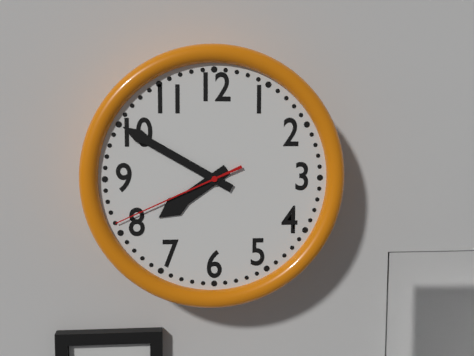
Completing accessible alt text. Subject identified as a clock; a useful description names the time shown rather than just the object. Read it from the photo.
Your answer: 7:50:41
